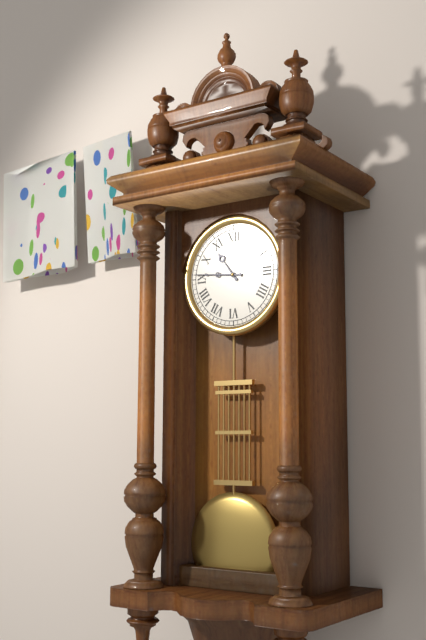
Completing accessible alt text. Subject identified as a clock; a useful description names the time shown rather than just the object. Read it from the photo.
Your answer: 10:46
